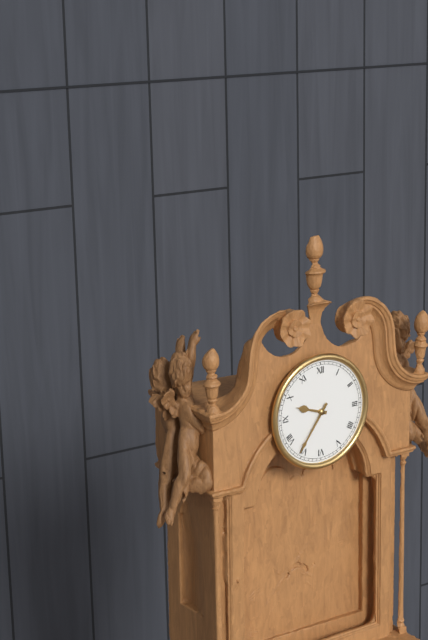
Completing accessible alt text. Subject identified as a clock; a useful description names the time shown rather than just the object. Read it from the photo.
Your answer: 9:36
